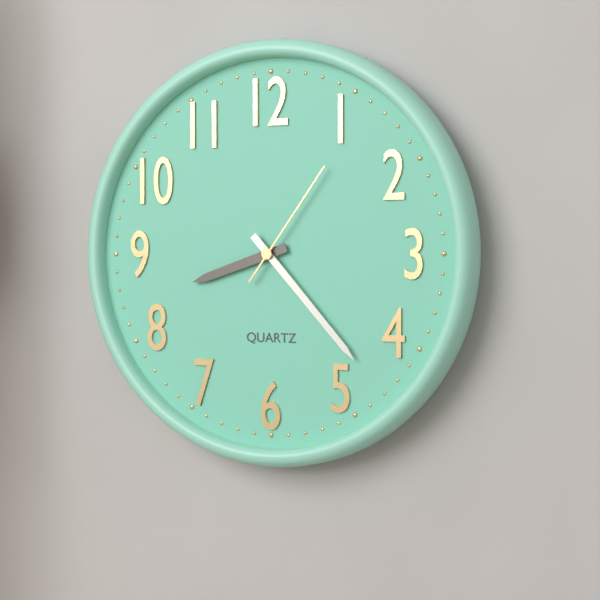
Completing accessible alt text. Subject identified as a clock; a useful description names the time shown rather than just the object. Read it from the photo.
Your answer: 8:23:06
